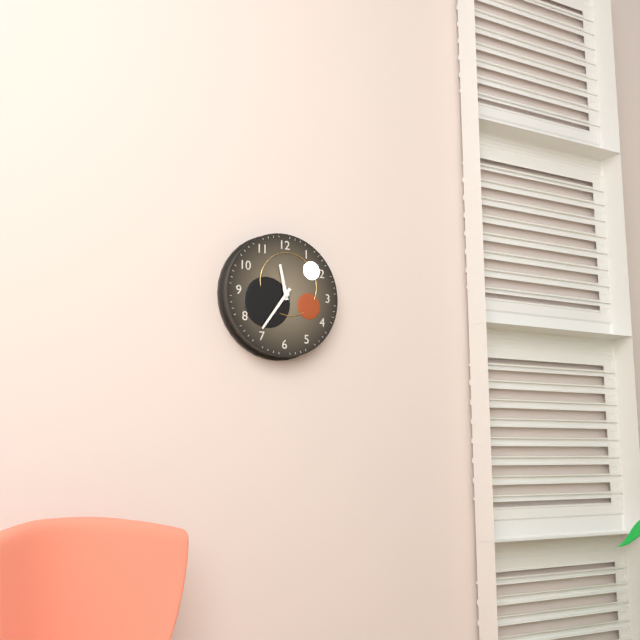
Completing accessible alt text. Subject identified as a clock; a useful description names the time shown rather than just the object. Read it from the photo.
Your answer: 11:36
